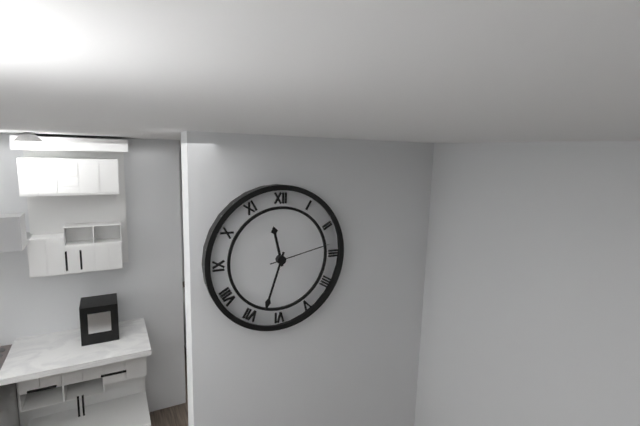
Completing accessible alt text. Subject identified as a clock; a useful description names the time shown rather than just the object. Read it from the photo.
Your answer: 11:33:13
